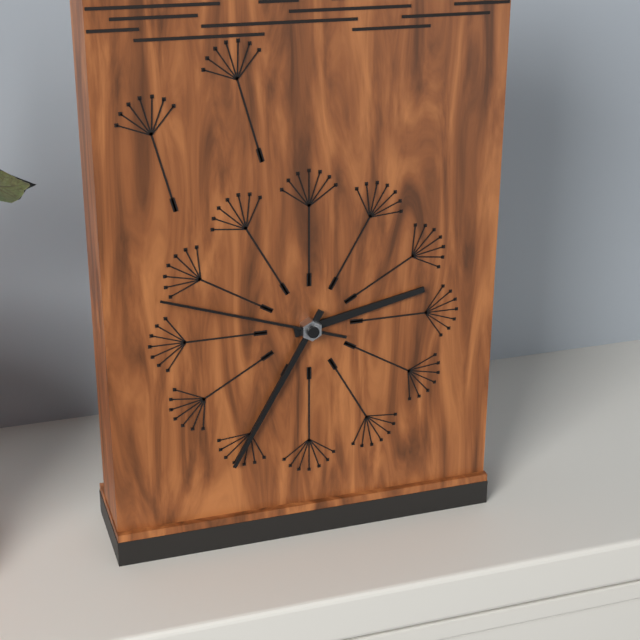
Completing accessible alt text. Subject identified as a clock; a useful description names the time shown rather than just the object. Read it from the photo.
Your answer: 2:35:48
